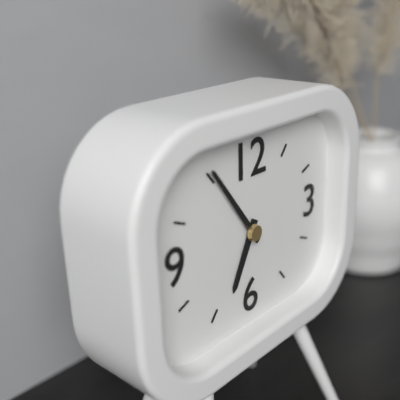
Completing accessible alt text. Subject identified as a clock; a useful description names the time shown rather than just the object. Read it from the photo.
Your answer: 6:54
